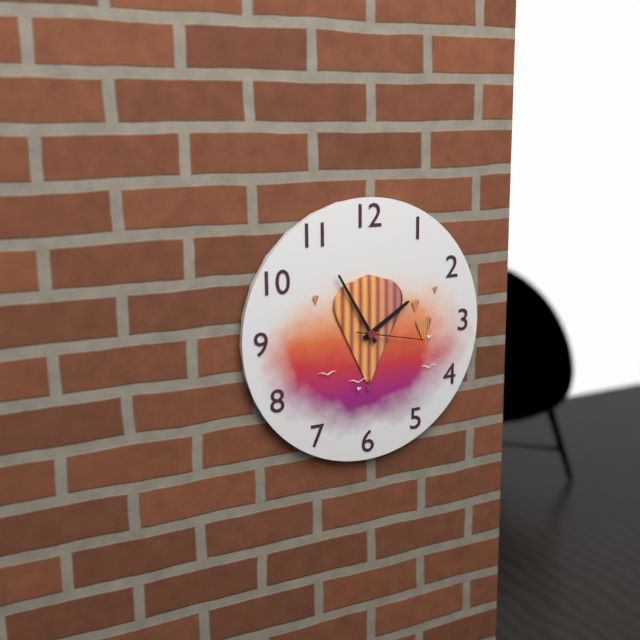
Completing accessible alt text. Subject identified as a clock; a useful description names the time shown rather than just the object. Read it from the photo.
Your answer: 1:55:17
